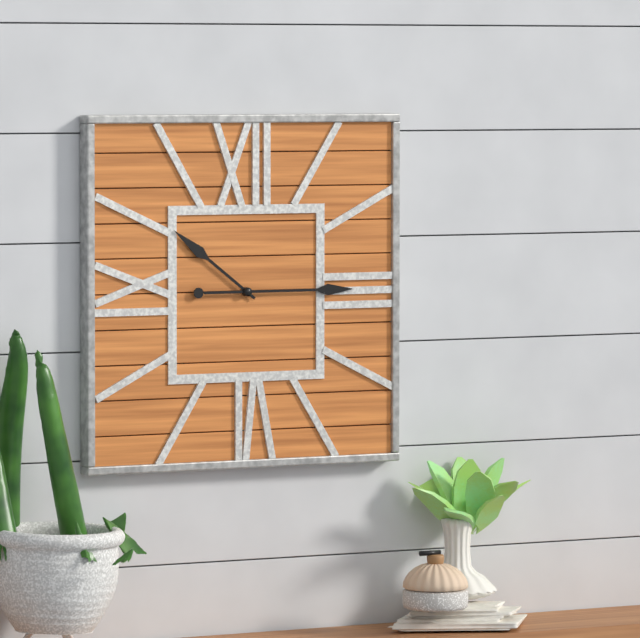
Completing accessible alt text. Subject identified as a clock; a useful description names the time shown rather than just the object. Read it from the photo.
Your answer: 10:15
